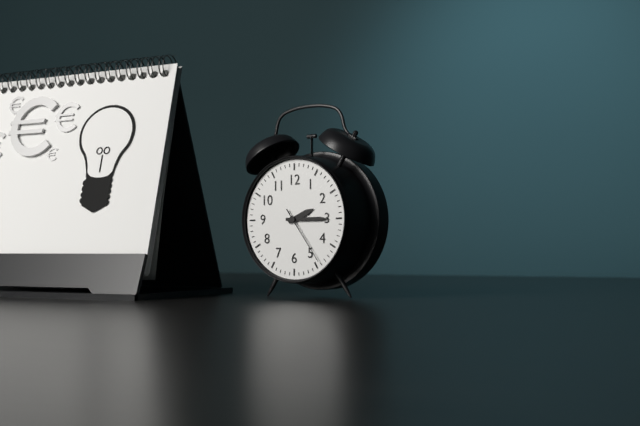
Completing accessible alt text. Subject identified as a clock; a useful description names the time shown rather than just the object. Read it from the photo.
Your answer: 2:15:24
